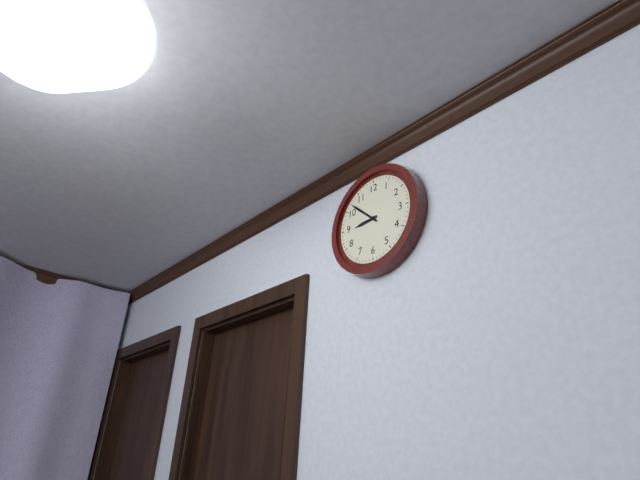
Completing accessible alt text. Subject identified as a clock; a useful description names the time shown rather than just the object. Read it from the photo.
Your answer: 8:52
